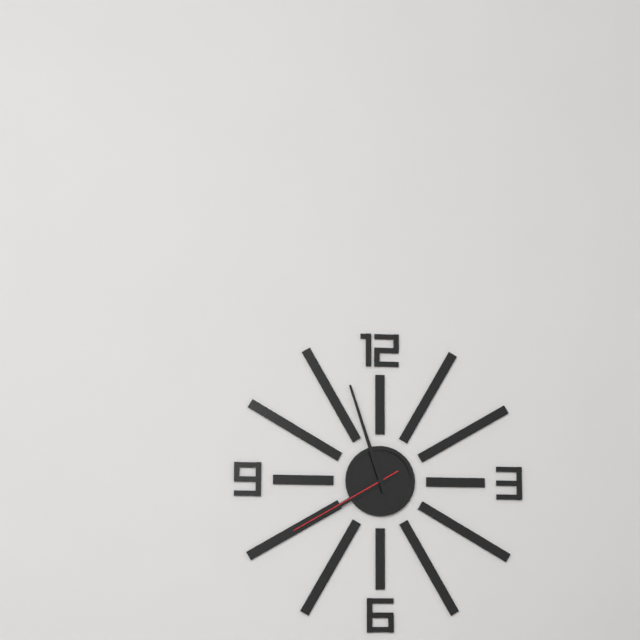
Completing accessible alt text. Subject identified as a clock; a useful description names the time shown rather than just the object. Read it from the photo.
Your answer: 7:57:40
